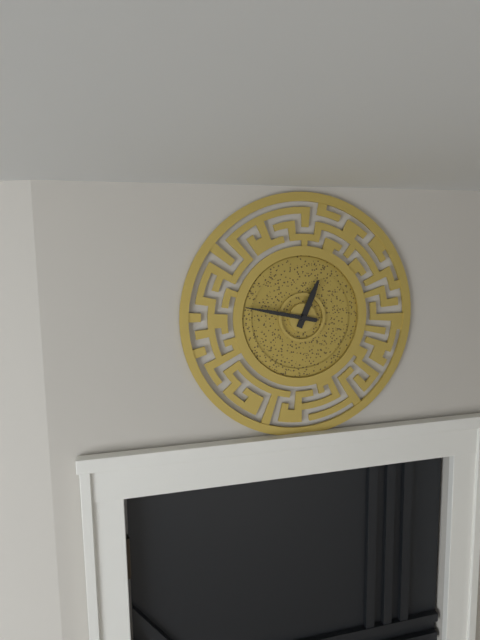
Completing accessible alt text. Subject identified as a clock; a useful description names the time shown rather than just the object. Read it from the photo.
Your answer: 12:47
